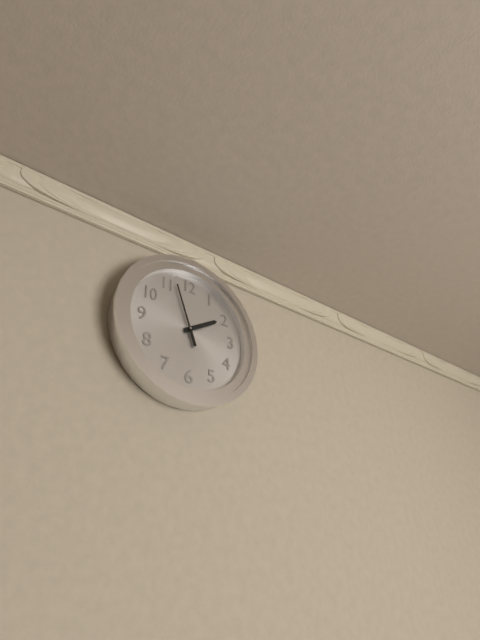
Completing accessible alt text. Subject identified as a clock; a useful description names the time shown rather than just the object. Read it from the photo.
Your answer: 1:57
